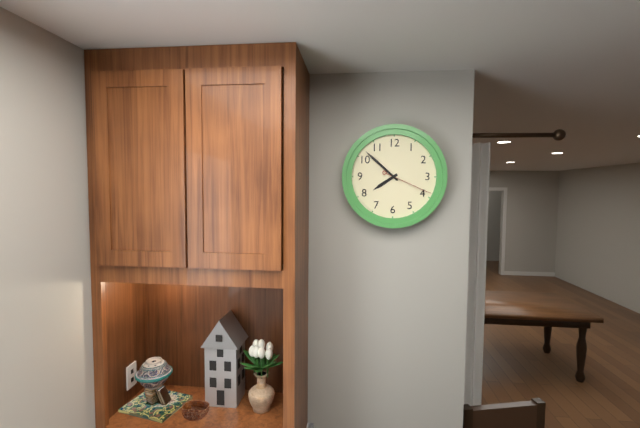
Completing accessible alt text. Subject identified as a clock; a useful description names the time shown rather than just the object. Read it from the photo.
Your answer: 7:52:19
